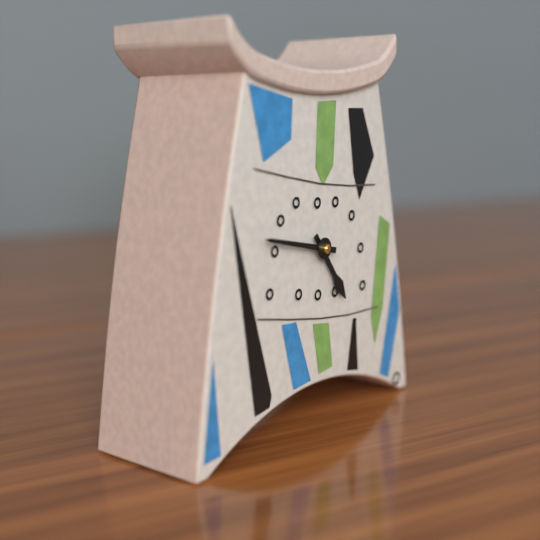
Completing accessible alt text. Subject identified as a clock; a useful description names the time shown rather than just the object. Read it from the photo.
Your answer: 4:47
